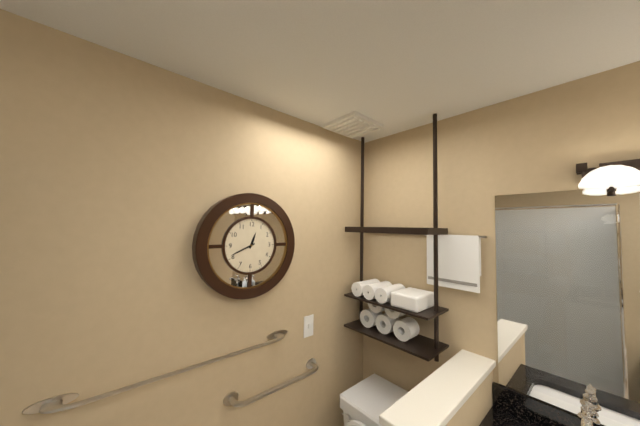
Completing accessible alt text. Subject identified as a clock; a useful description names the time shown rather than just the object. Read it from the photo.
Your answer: 12:41
